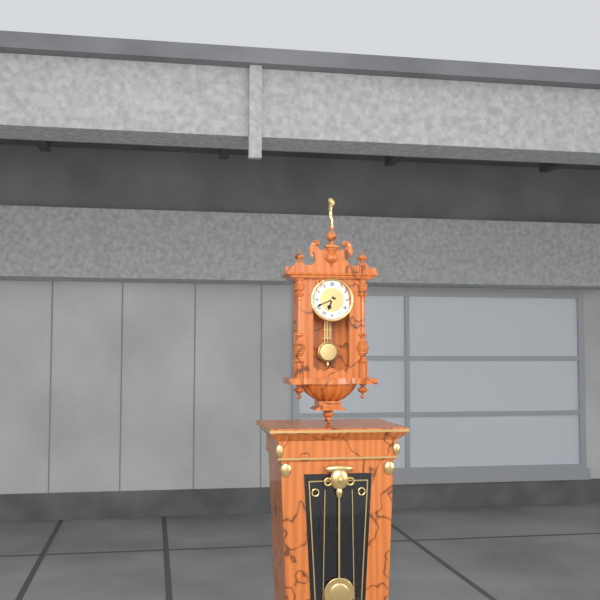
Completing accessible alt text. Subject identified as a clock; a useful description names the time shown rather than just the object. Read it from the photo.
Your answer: 6:41
